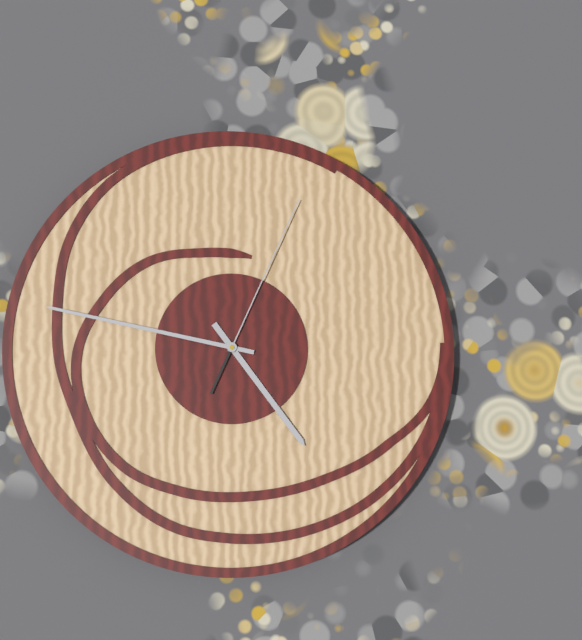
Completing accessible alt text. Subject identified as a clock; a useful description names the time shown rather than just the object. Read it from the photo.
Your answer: 4:47:04
